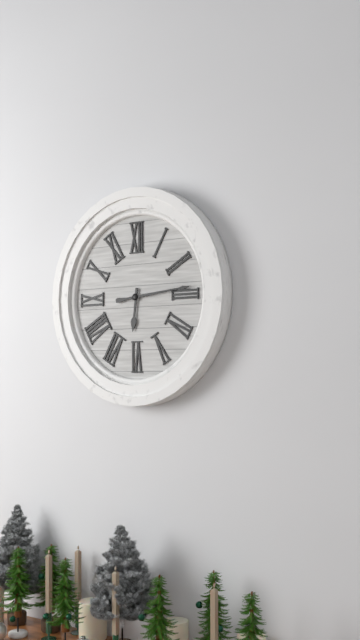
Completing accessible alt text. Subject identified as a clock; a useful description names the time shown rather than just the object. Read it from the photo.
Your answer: 6:14
